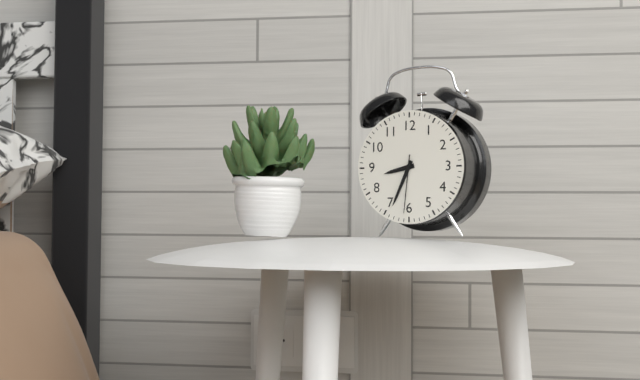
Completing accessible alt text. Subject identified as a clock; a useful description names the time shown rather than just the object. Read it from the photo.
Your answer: 8:34:31
